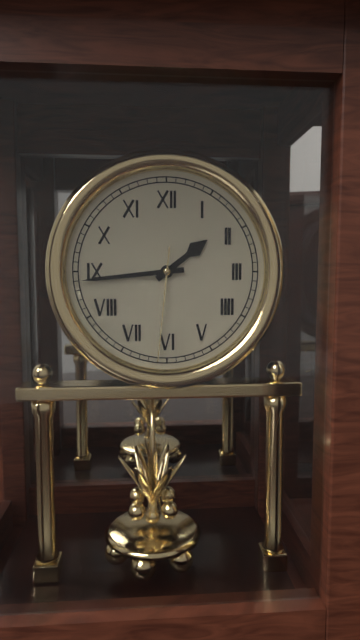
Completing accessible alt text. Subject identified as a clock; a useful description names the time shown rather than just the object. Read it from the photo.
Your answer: 1:44:31
